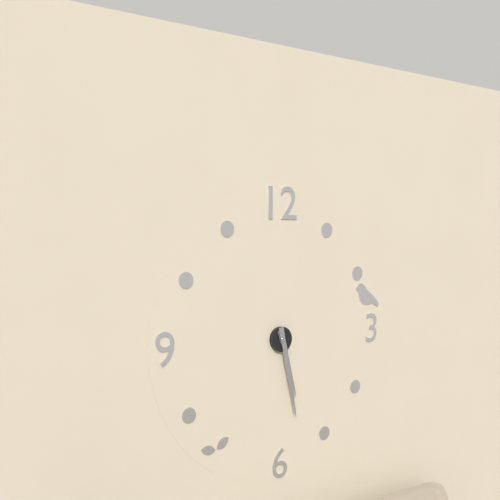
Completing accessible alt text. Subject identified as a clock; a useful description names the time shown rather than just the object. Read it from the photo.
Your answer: 5:28
